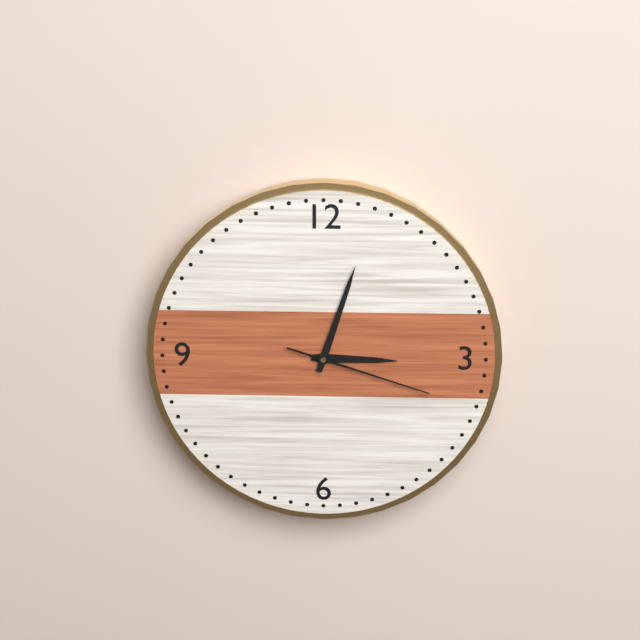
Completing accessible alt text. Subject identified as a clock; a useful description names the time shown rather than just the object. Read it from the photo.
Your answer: 3:03:18
